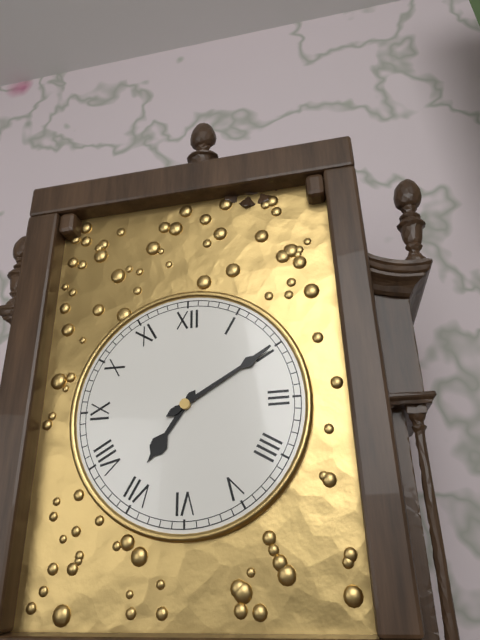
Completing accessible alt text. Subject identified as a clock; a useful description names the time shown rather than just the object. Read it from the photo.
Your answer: 7:10
